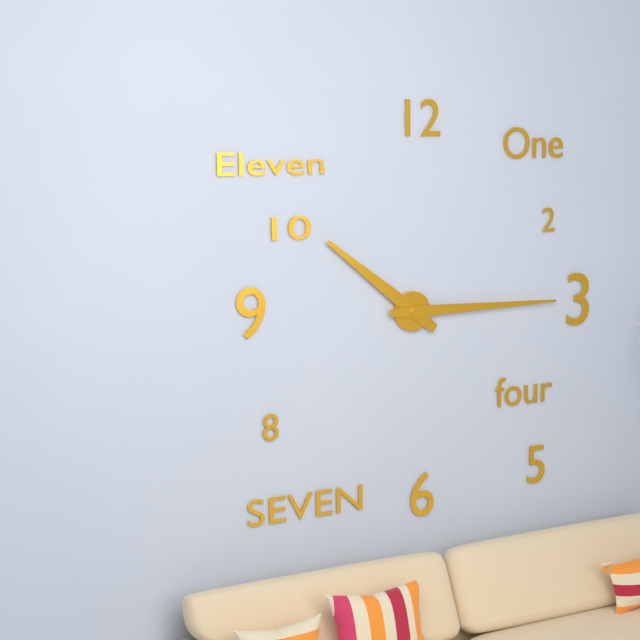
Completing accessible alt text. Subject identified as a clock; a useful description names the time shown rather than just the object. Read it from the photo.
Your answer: 10:15
